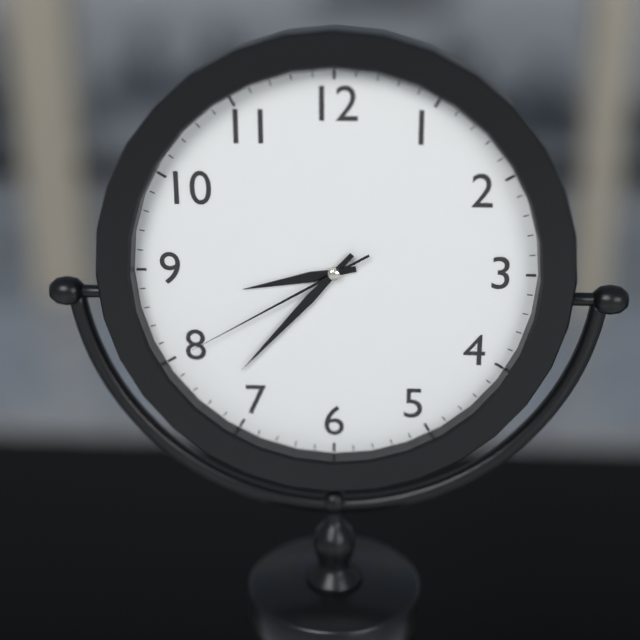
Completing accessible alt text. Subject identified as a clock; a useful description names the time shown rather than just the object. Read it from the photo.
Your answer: 8:37:40
